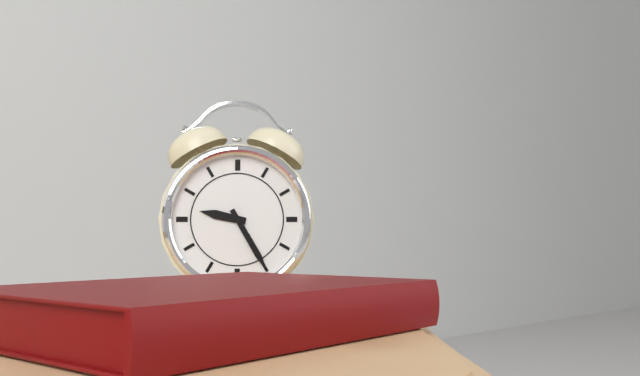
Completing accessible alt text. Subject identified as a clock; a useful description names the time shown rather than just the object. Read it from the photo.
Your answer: 9:25
